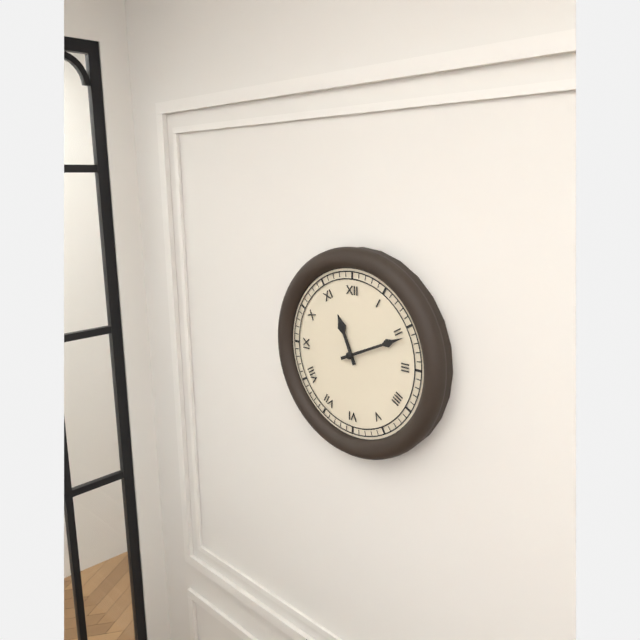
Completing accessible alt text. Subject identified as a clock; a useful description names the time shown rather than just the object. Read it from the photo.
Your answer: 11:11
